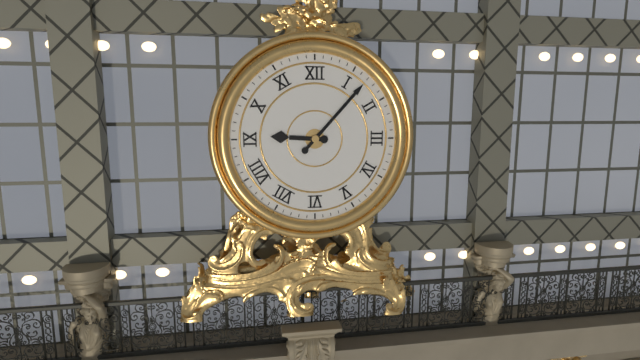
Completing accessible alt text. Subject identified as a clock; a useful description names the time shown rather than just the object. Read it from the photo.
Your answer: 9:07
